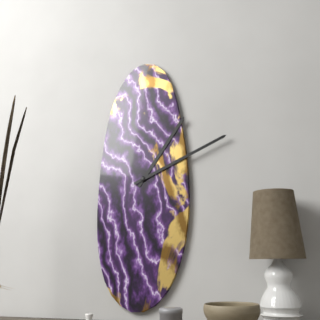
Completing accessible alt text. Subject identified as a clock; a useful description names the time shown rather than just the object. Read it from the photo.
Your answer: 1:11
